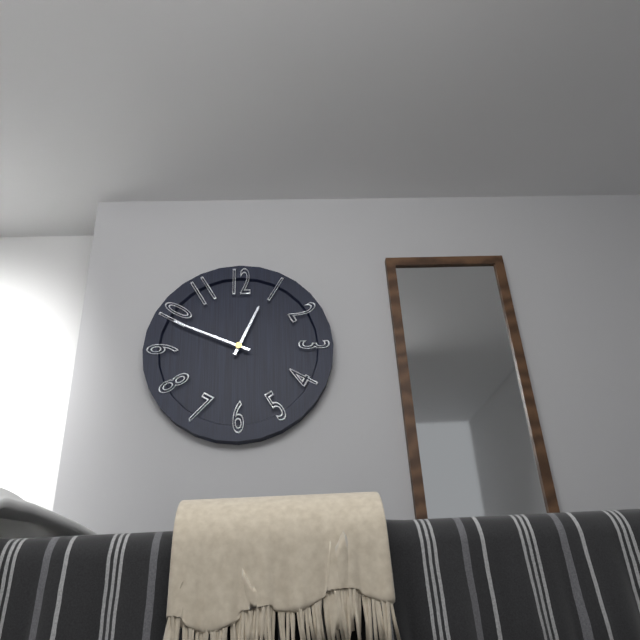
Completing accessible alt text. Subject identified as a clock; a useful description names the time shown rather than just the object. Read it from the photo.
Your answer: 12:49
